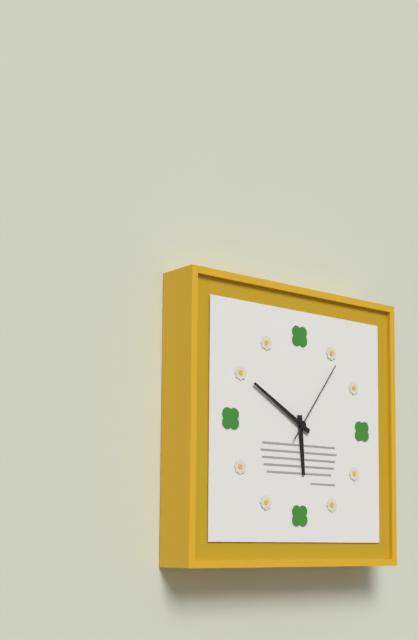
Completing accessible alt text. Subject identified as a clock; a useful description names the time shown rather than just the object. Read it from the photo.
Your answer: 5:50:06
